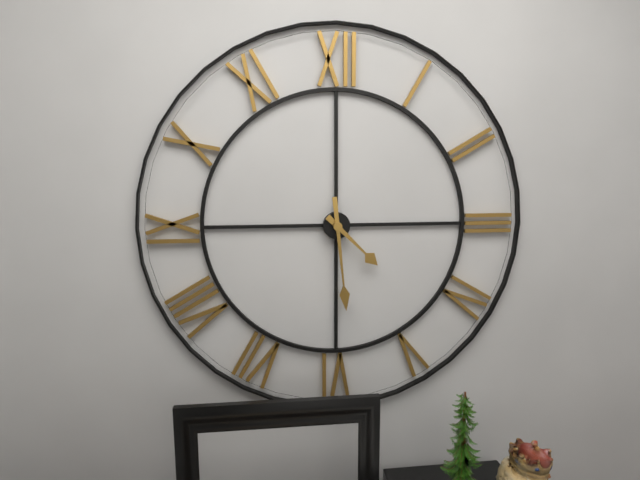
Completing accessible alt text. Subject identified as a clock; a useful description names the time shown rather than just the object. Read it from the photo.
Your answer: 4:29
